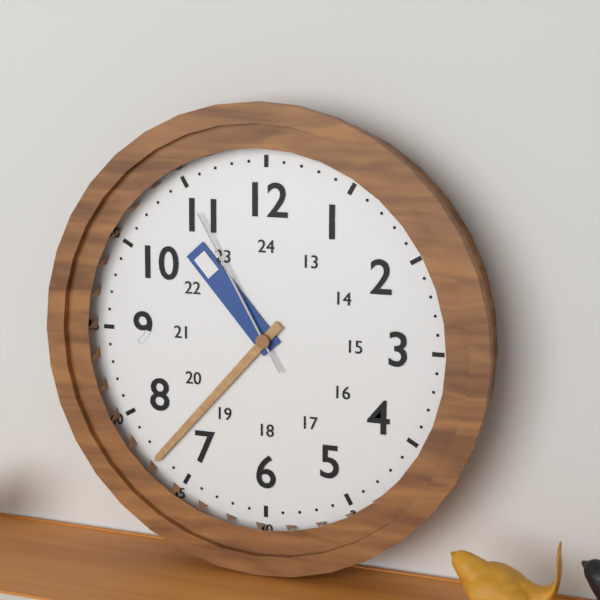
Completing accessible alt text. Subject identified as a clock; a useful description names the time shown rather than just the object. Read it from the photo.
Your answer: 10:37:55
